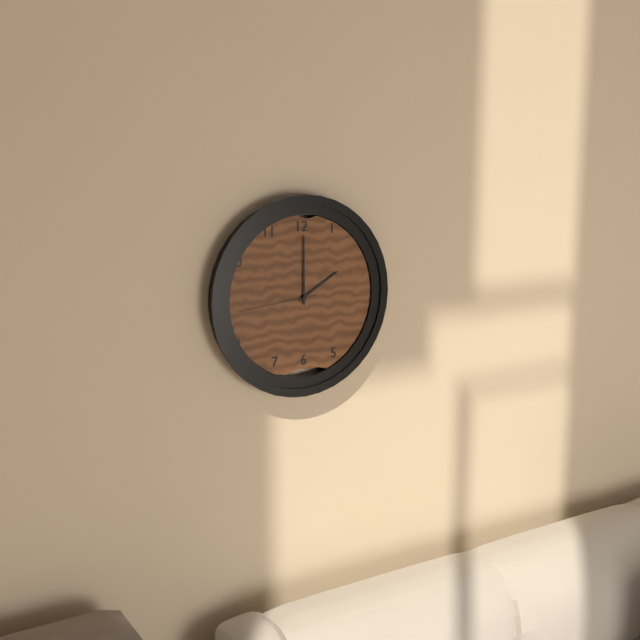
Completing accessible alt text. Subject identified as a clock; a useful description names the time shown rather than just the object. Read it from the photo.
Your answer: 2:00:44
